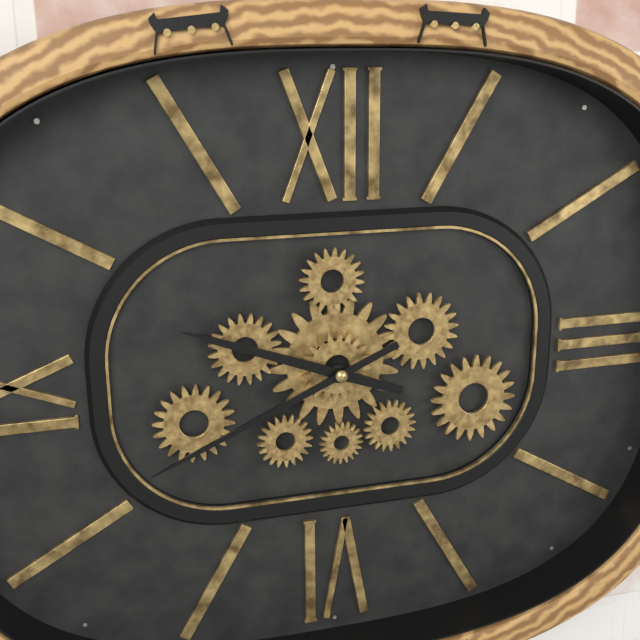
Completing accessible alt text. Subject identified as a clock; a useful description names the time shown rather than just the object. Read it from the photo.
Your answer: 9:41
